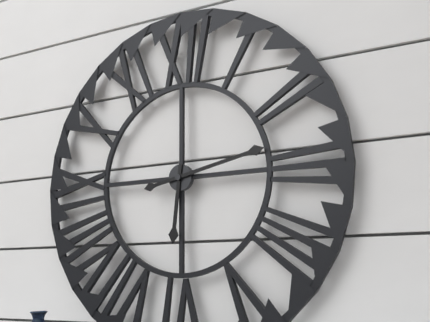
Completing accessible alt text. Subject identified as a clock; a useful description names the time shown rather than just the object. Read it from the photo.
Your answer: 6:13
